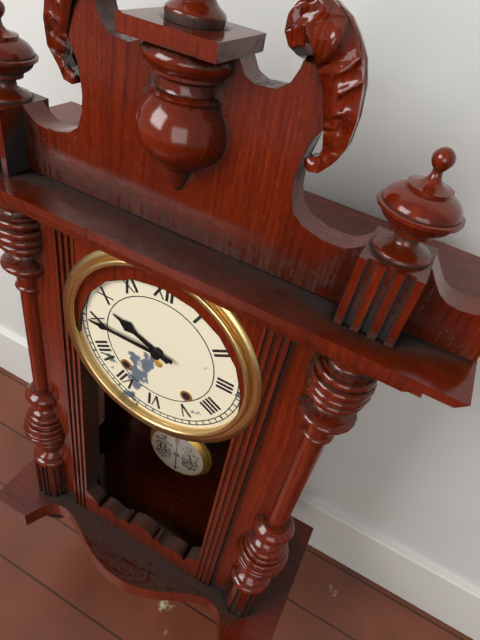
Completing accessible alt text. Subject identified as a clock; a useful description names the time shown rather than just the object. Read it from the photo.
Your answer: 9:45
